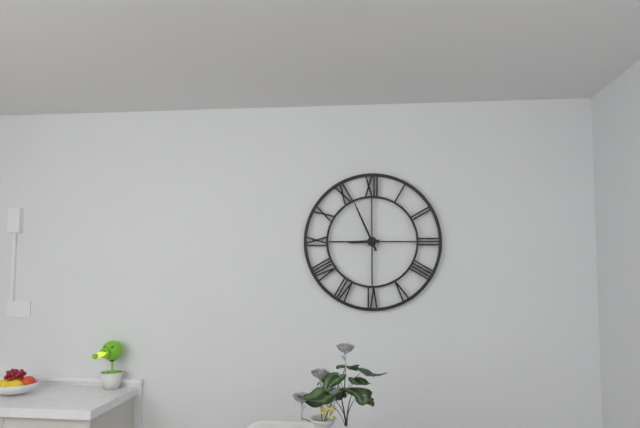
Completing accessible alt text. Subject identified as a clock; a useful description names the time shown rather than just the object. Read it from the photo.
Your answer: 8:56
